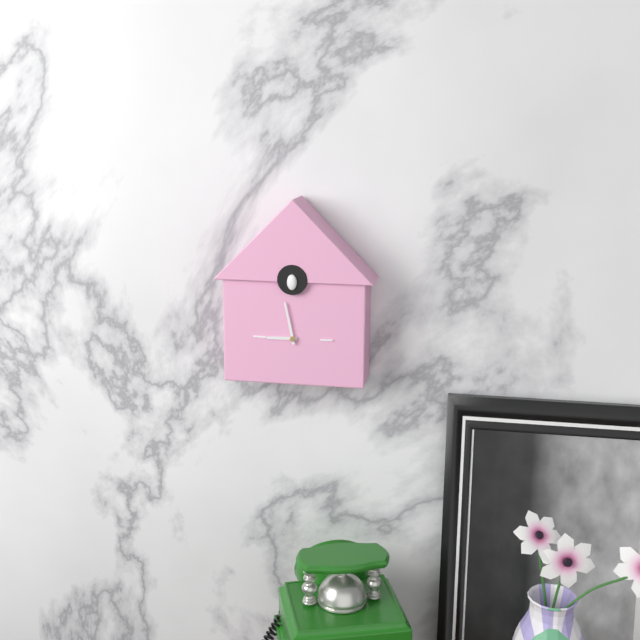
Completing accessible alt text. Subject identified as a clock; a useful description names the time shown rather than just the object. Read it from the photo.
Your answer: 8:58
